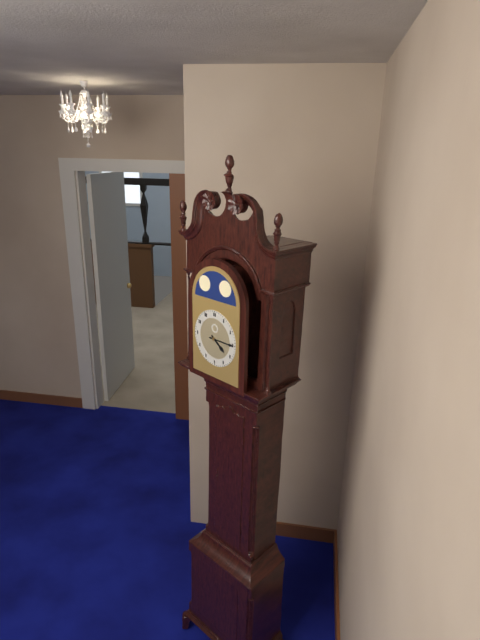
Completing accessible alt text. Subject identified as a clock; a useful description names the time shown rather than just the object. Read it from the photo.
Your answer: 4:15
